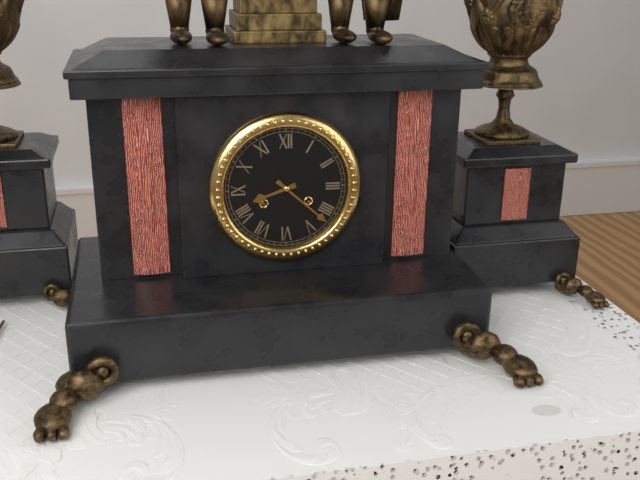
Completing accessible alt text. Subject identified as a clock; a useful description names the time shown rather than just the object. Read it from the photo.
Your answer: 8:22
